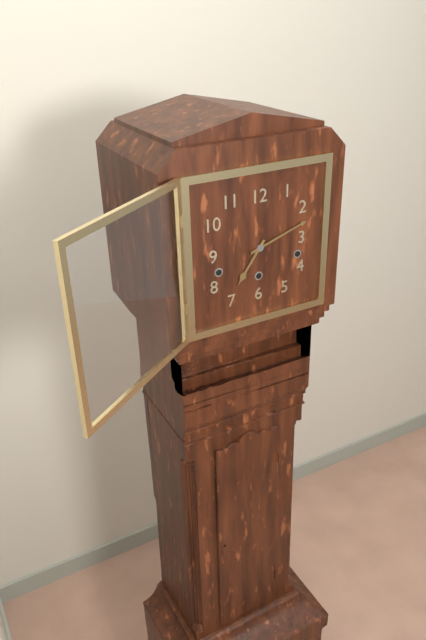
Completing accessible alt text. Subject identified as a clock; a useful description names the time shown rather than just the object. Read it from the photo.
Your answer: 7:12
